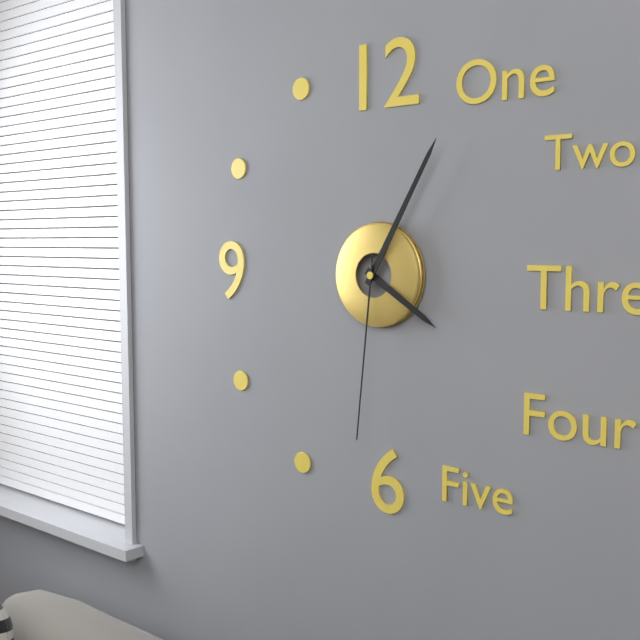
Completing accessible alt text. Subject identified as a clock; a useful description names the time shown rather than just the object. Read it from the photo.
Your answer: 4:05:31
